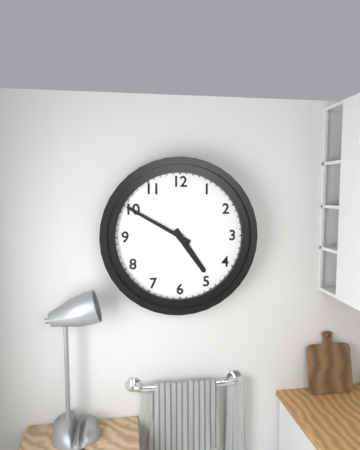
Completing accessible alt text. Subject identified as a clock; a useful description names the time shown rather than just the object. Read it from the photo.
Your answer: 4:50
